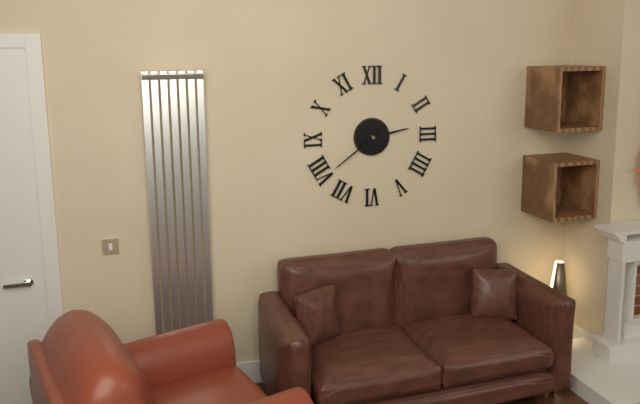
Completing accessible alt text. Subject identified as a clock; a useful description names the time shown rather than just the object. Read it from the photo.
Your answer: 2:39
